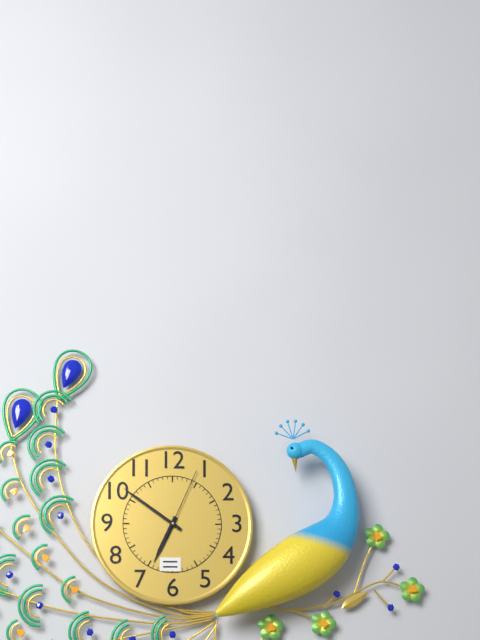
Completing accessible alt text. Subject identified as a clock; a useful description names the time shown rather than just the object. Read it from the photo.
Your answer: 6:51:04
